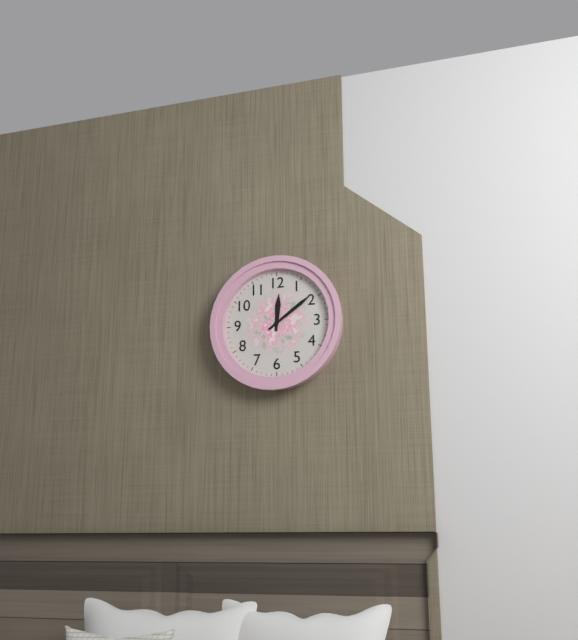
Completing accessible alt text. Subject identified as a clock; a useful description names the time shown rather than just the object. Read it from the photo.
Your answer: 12:09
